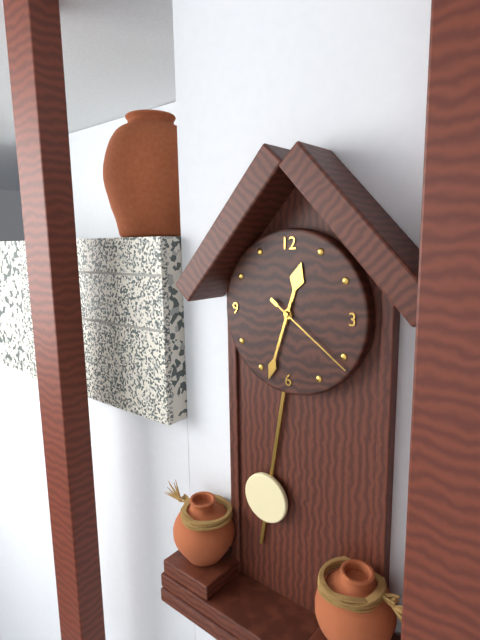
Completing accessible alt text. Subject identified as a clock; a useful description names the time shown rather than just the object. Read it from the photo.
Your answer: 12:33:21
